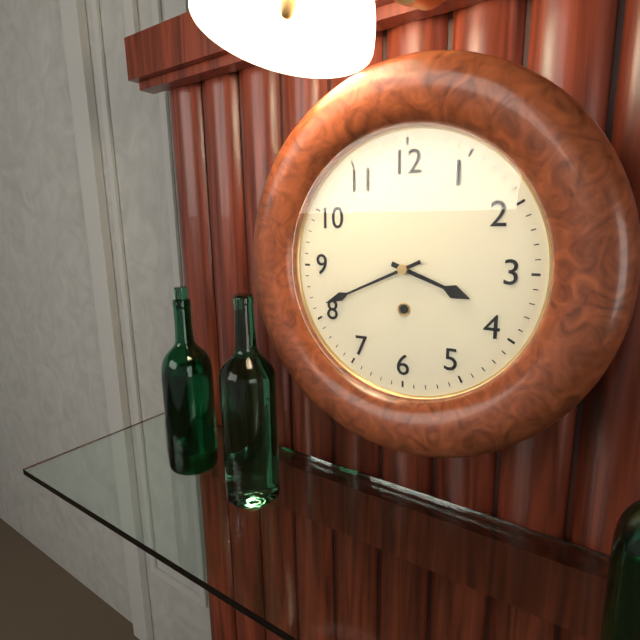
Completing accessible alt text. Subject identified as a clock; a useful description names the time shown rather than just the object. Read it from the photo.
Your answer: 3:41
